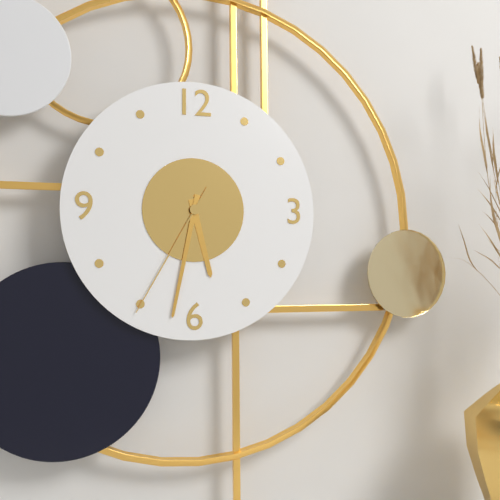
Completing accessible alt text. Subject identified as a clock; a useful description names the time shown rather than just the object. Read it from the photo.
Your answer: 5:32:35
